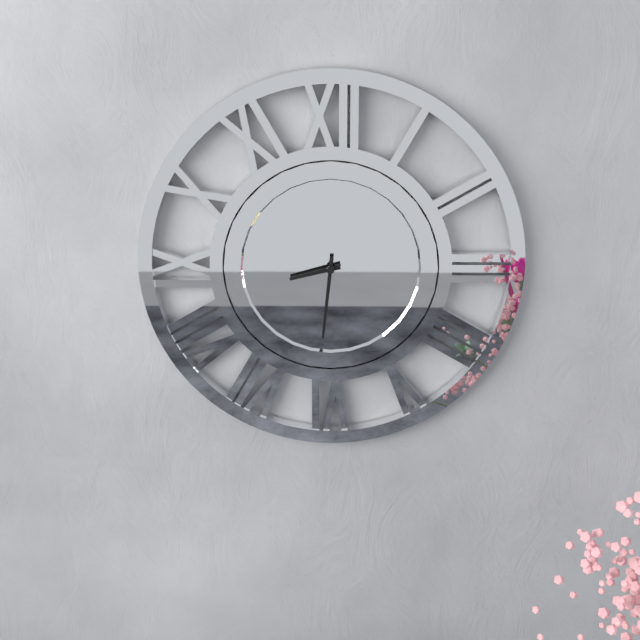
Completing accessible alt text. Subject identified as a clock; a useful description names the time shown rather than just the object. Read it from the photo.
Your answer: 8:31
